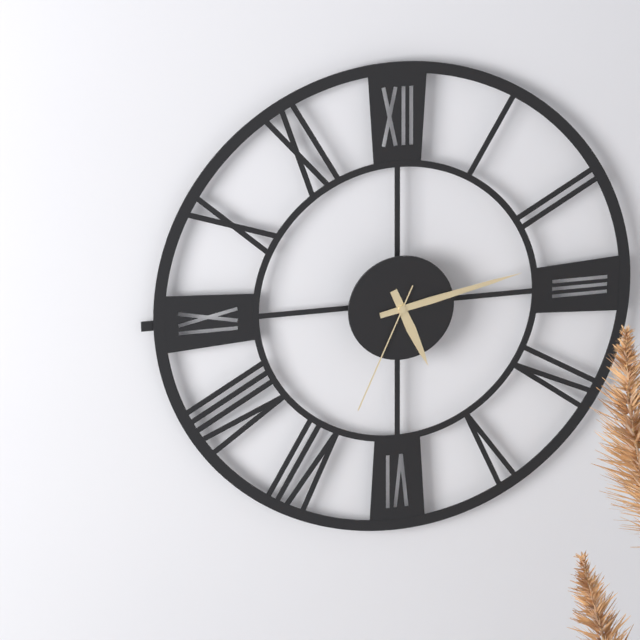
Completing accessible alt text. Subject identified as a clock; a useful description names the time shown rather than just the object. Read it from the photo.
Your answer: 5:13:34
